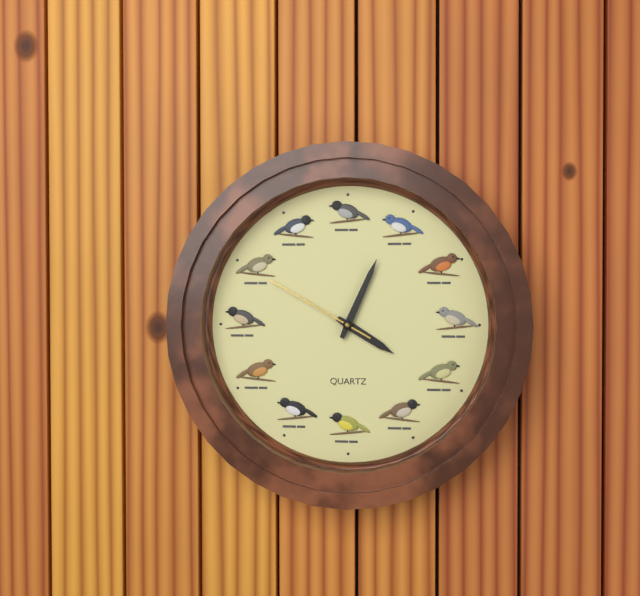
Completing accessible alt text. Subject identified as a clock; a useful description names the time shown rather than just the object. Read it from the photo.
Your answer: 4:04:50
